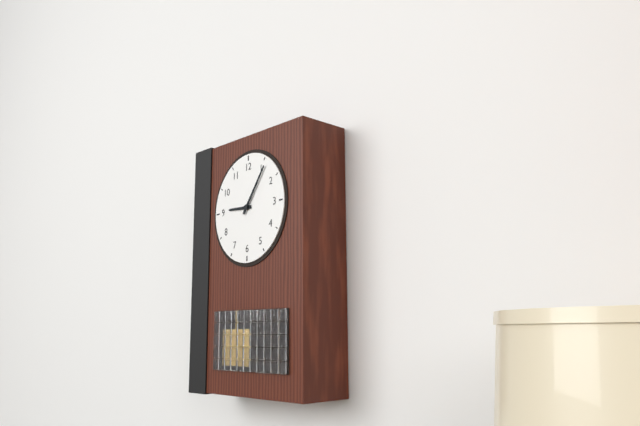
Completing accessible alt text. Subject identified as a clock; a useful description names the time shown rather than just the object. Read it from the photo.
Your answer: 9:06
